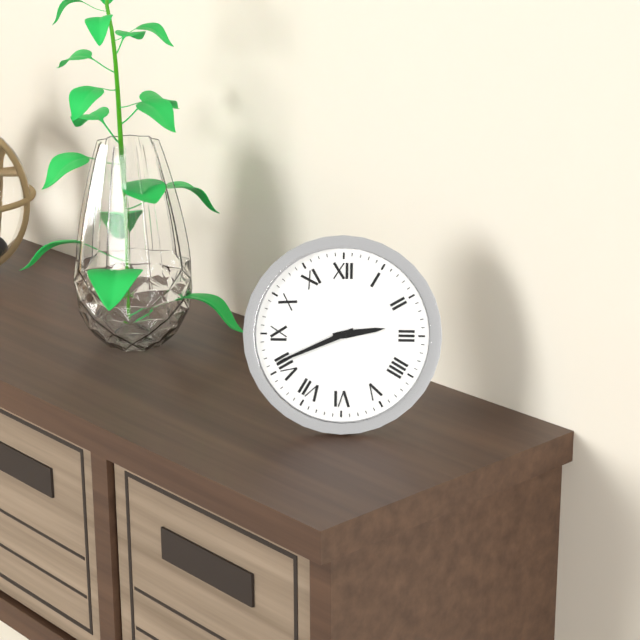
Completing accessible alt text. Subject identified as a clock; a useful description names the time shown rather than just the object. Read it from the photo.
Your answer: 2:41
